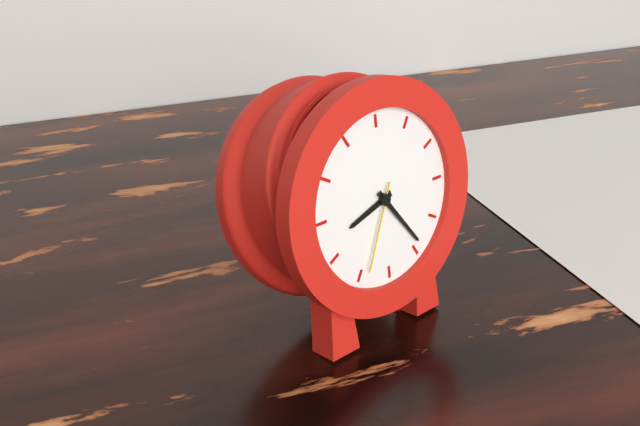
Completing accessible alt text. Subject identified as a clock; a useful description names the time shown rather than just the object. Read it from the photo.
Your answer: 8:24:34
